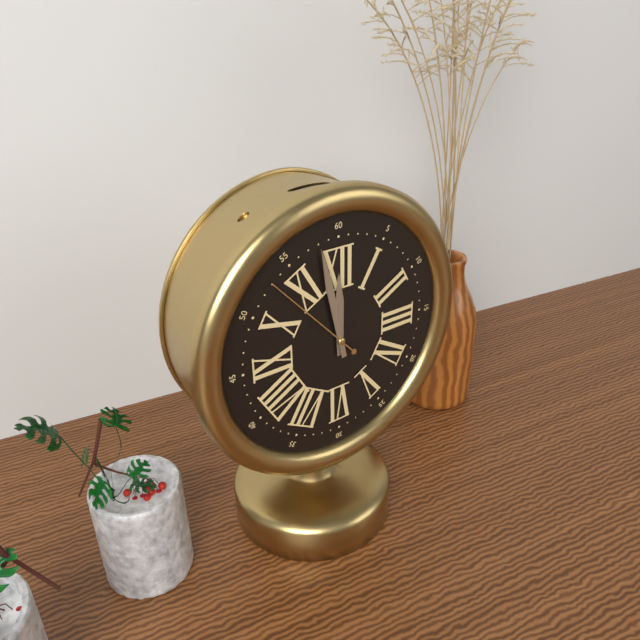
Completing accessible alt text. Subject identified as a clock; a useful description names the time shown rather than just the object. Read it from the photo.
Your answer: 11:58:53
